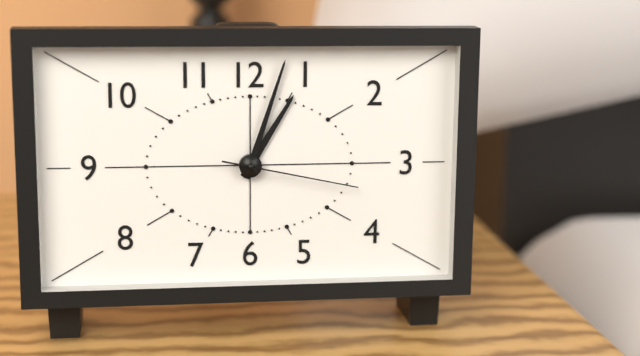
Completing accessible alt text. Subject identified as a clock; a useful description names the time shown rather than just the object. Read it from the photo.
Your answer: 1:03:17
